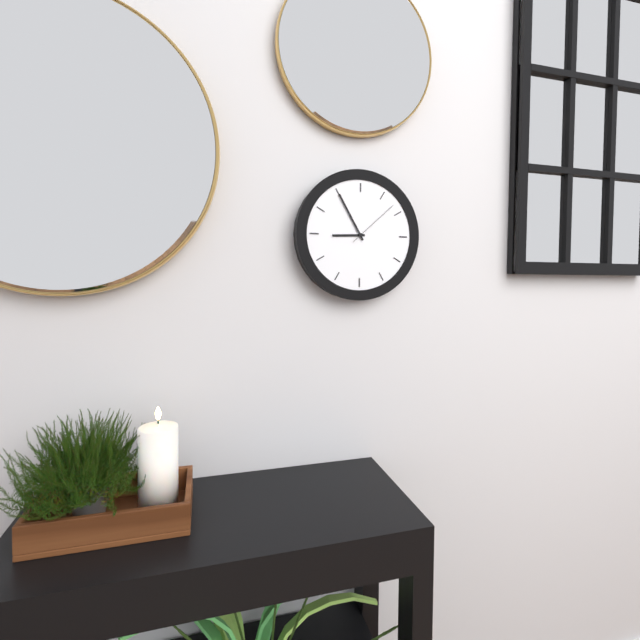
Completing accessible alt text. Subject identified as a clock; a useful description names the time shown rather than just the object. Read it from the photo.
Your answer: 8:55:08
